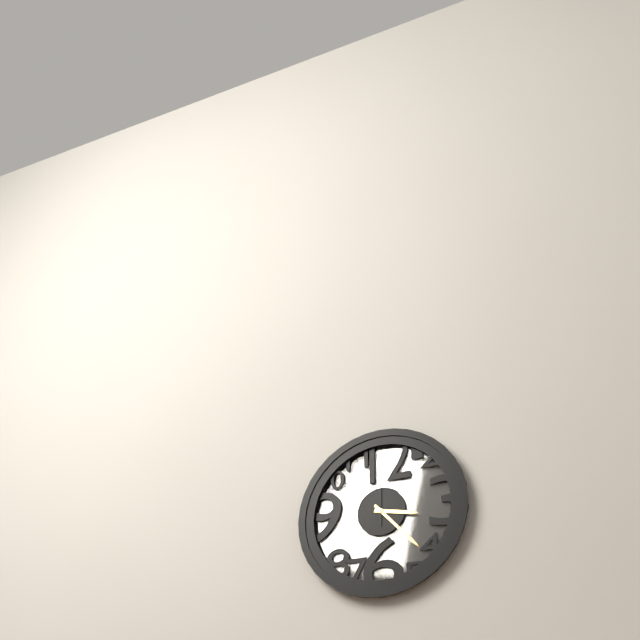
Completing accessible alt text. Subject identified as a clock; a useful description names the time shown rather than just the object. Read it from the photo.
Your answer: 3:23:00
